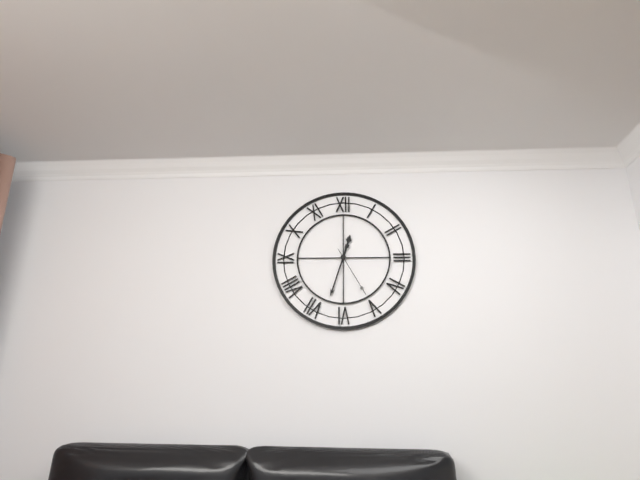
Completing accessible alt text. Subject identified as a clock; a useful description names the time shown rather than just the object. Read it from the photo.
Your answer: 12:33:25
